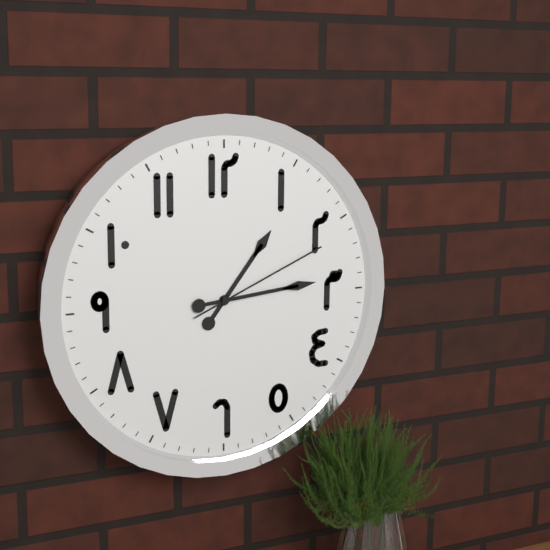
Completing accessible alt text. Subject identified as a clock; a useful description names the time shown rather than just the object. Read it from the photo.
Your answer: 1:14:11
